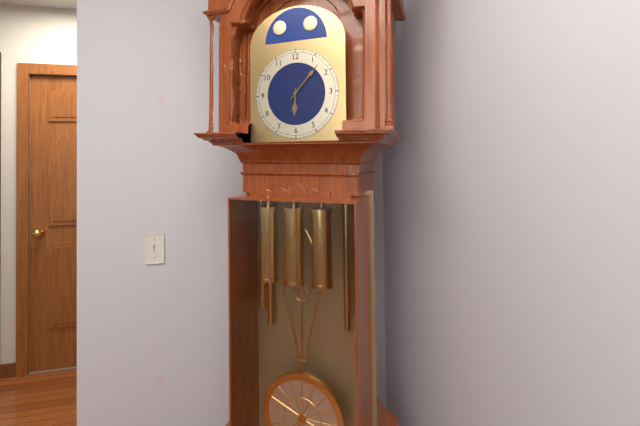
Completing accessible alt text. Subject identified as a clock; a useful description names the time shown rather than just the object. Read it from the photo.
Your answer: 6:07
